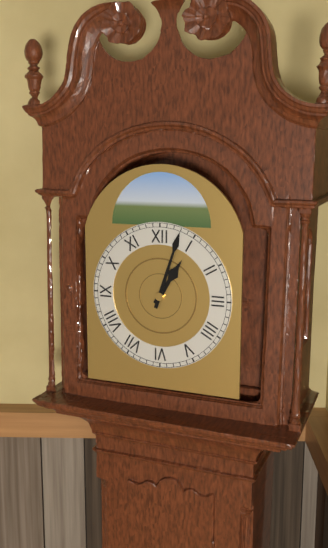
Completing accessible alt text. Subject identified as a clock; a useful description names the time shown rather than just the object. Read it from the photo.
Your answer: 1:03
